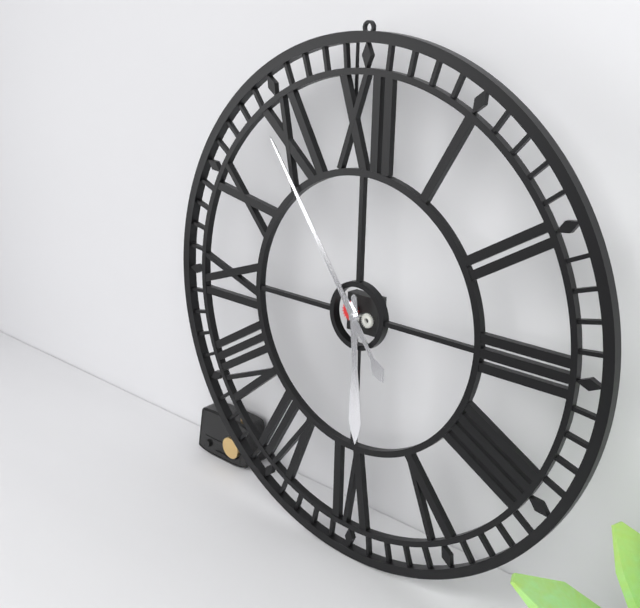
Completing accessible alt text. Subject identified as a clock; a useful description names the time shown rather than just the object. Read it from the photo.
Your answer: 5:54
